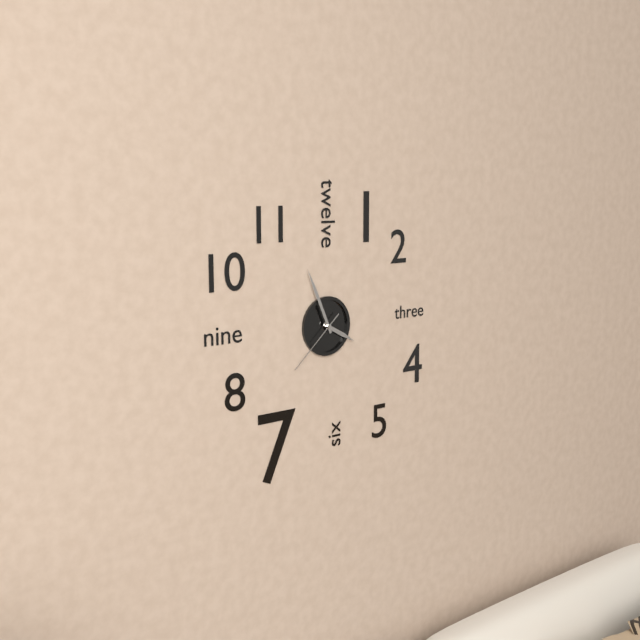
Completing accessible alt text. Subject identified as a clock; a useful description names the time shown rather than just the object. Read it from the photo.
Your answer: 3:56:38
